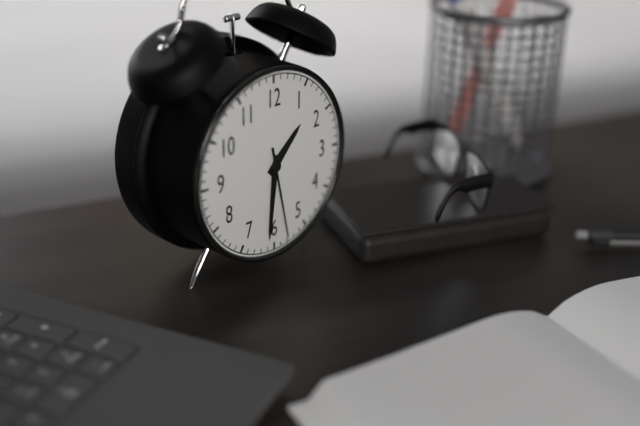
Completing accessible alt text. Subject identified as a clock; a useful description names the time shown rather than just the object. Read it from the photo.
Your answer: 1:31:28
